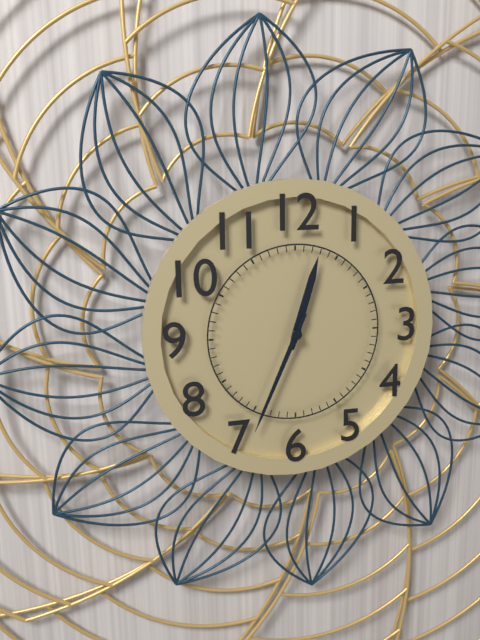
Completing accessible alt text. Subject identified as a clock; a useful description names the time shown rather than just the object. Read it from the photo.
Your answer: 12:34
